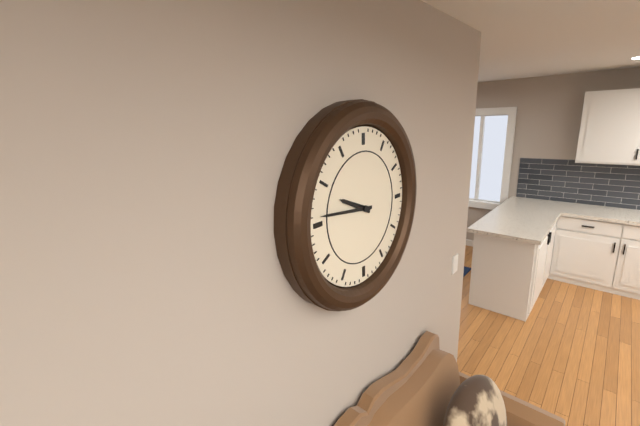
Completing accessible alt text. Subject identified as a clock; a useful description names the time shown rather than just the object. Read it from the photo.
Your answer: 9:46
